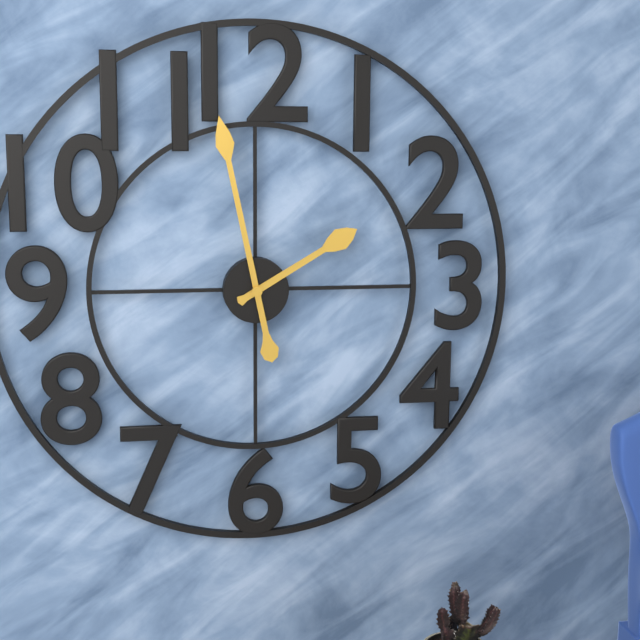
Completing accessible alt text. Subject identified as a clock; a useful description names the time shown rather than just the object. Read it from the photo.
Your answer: 1:58
